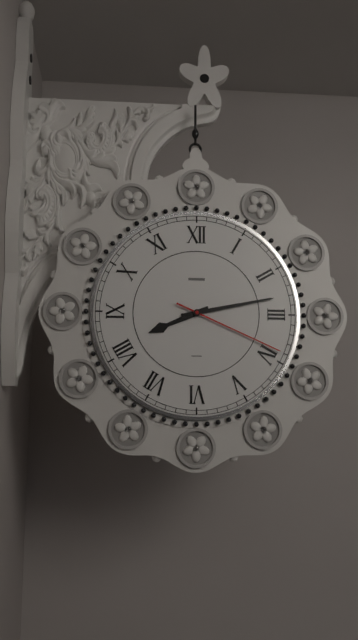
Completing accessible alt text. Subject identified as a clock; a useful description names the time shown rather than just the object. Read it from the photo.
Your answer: 8:13:19
